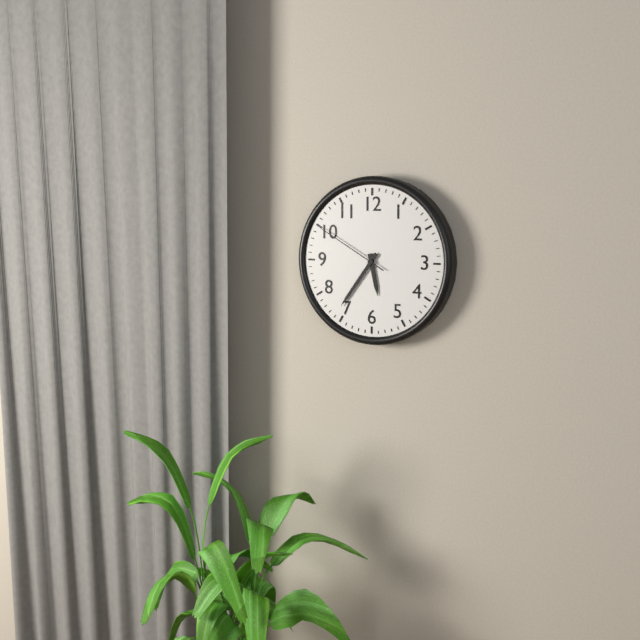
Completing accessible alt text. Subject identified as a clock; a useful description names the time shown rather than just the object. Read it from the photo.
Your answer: 5:36:50
